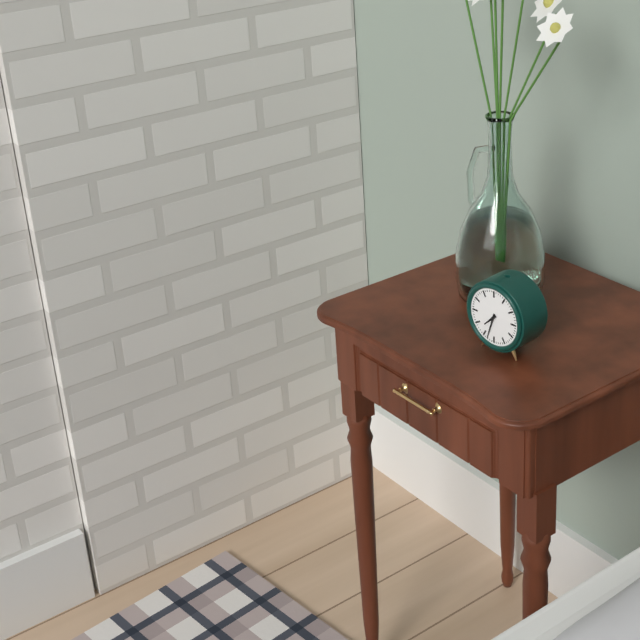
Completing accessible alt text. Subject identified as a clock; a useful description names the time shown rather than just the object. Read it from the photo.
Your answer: 7:33
